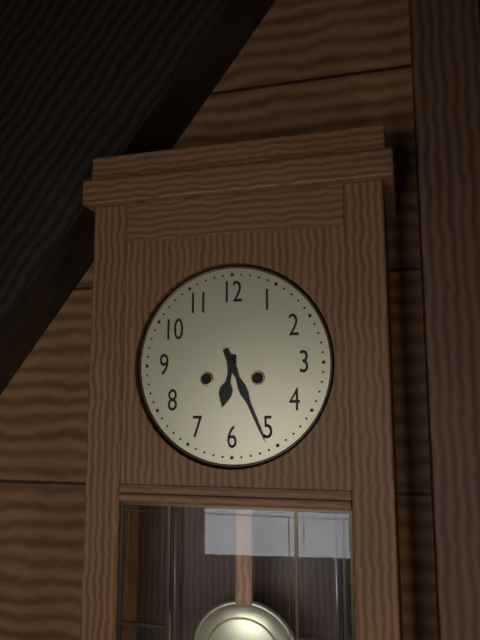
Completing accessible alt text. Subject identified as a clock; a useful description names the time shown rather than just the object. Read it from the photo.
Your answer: 6:26
